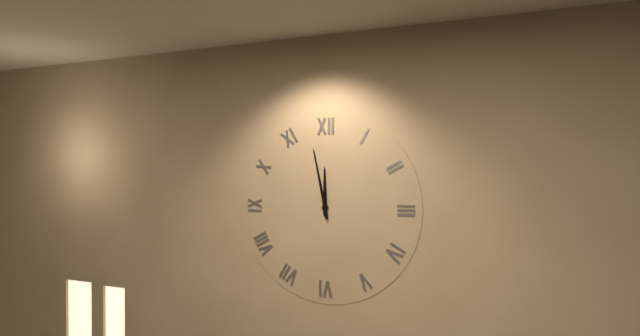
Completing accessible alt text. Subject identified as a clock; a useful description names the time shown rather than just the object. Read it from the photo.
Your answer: 11:58
